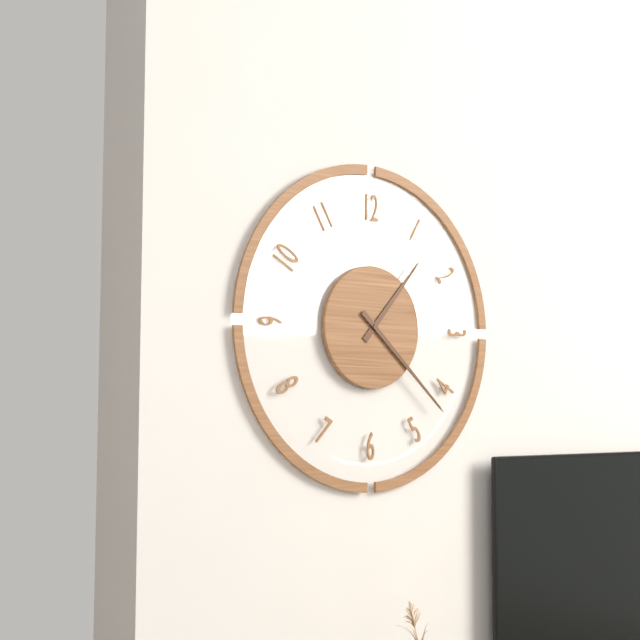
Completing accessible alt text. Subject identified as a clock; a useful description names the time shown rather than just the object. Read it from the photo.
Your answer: 1:22
